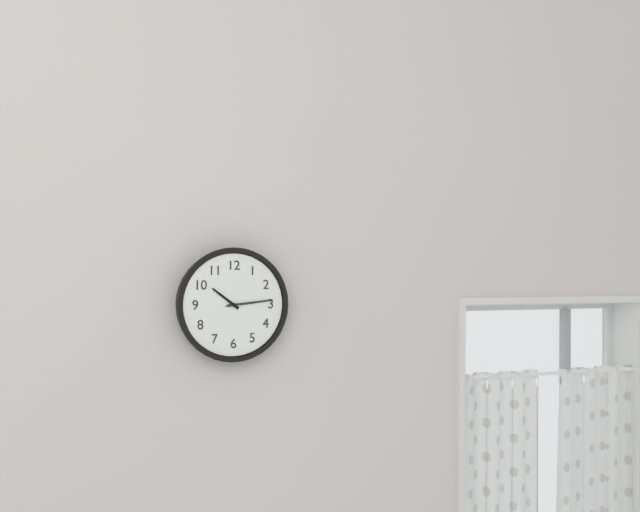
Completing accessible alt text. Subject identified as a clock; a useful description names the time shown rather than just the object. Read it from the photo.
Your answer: 10:14
